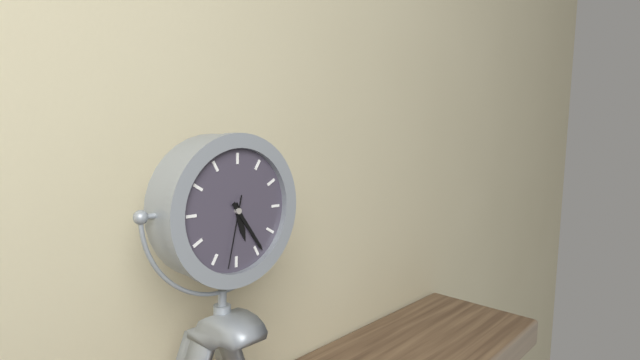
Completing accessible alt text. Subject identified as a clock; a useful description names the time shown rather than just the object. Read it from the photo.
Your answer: 5:24:32
